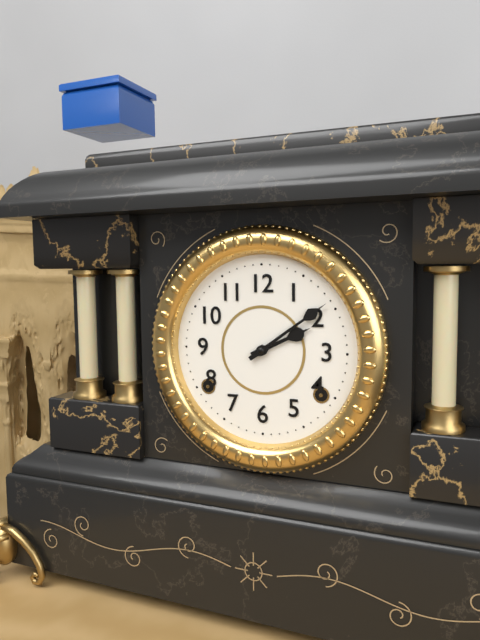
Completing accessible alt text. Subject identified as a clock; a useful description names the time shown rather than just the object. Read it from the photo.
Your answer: 2:09
